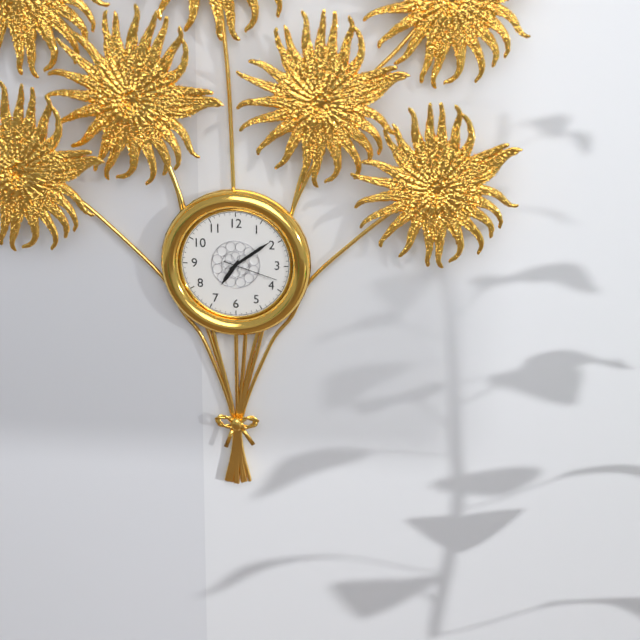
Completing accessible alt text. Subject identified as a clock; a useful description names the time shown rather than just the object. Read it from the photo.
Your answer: 7:09:18
